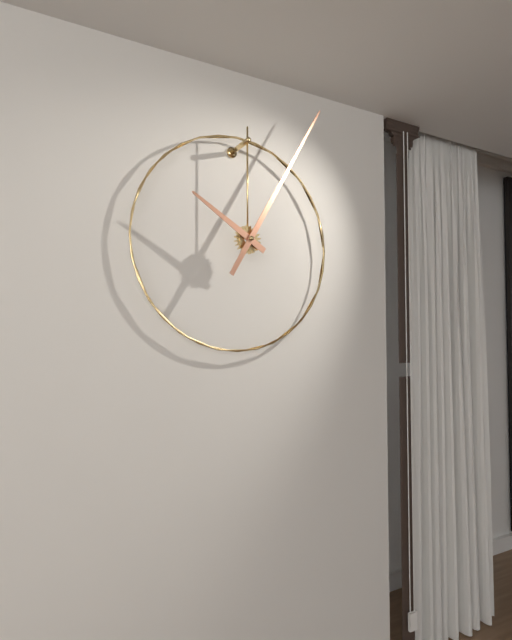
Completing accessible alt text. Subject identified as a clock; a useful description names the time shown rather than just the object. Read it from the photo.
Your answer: 10:05
